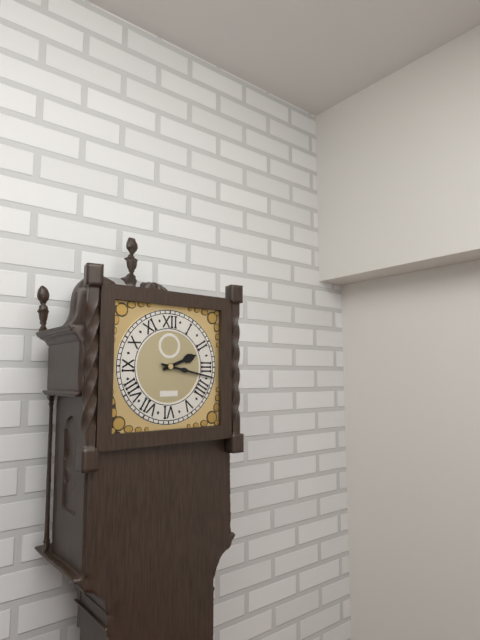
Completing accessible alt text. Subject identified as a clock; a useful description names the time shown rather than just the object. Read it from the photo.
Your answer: 2:17
